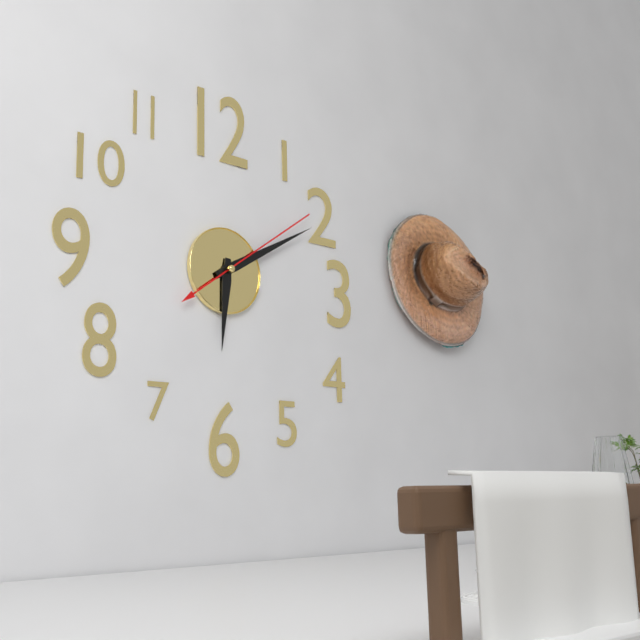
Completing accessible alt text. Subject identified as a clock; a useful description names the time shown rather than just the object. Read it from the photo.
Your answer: 6:10:09
